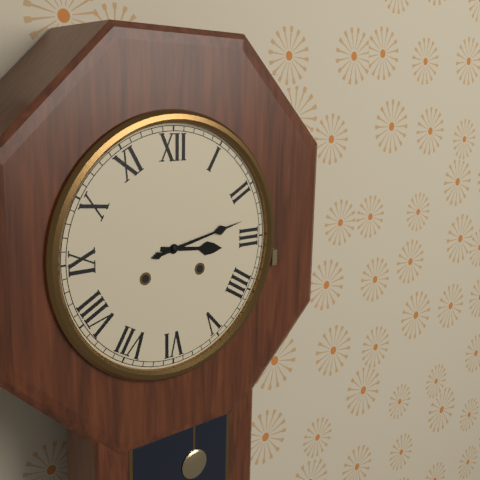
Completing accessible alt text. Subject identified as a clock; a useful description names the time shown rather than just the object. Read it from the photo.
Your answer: 3:13
